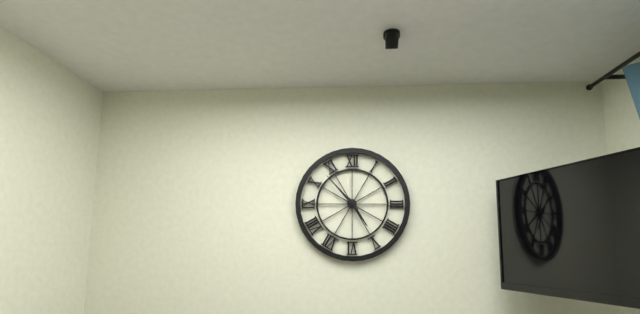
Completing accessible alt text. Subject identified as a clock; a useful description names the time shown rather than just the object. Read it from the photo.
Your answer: 4:53
